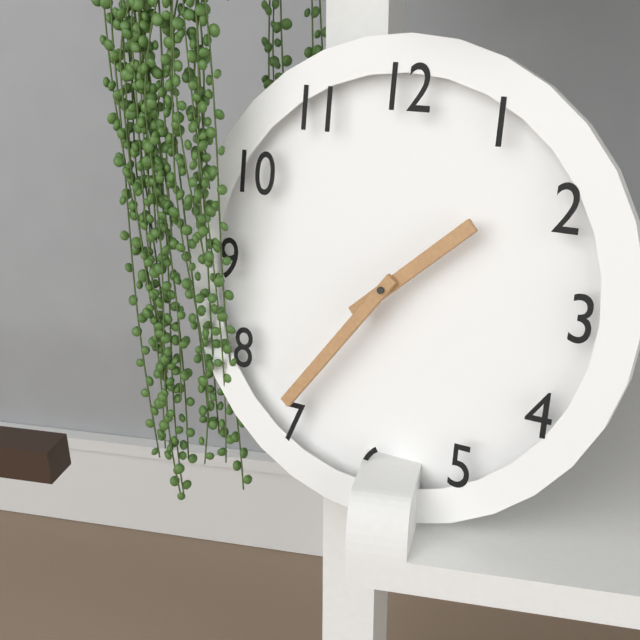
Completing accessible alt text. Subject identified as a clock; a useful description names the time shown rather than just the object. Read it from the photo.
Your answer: 1:36
